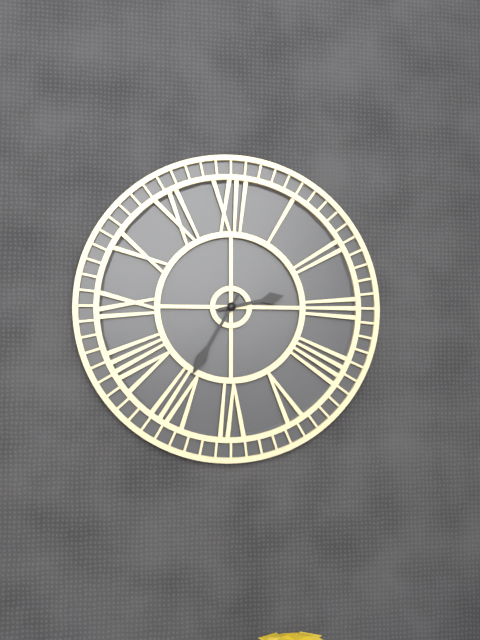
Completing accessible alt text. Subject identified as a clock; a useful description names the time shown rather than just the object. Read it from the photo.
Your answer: 2:35
